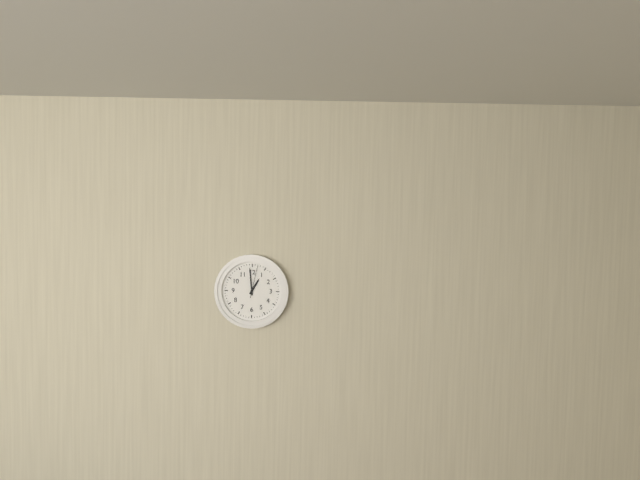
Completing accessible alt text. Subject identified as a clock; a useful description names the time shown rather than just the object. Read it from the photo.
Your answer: 12:59
